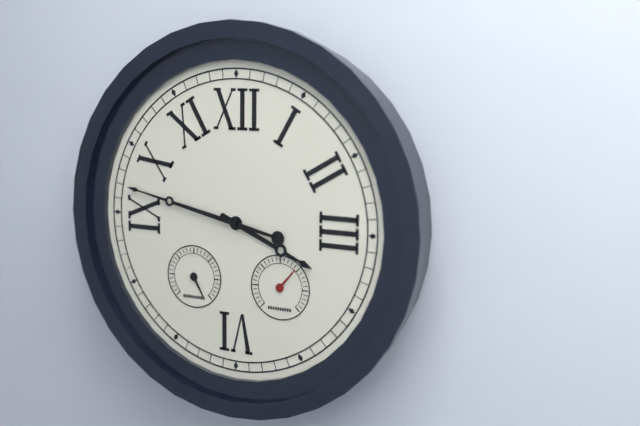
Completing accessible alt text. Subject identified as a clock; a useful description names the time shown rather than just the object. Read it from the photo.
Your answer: 3:47
